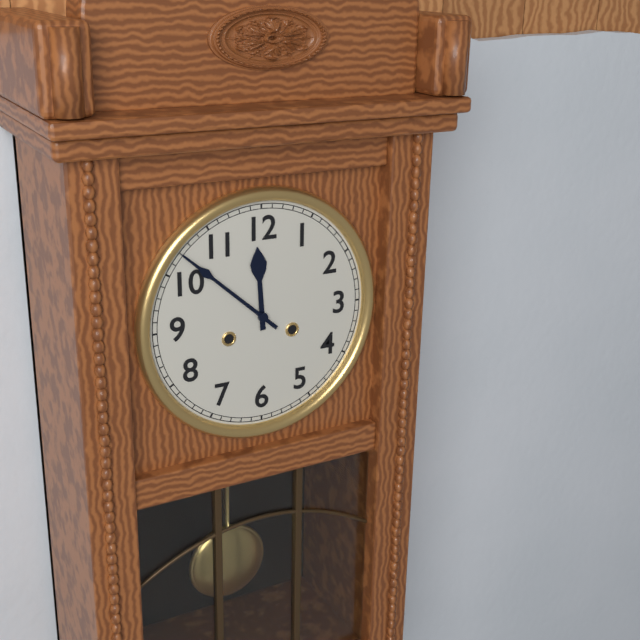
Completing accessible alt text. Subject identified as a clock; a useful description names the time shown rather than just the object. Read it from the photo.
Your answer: 11:52
